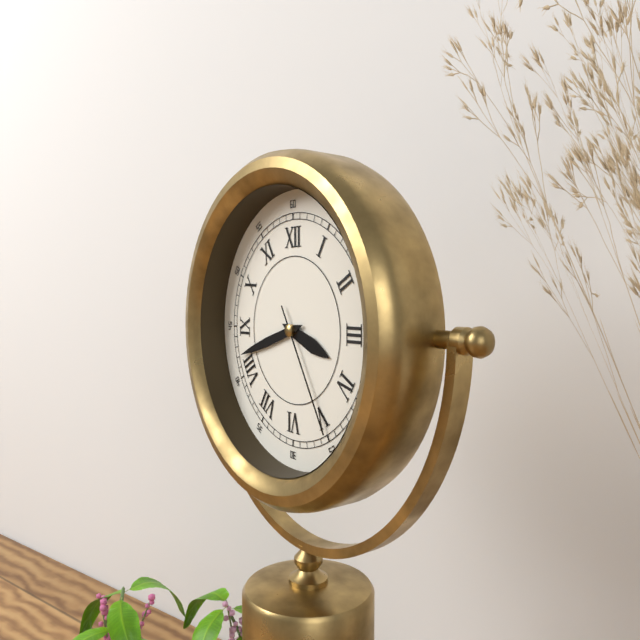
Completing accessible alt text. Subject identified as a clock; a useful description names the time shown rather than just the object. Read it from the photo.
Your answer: 3:42:25
